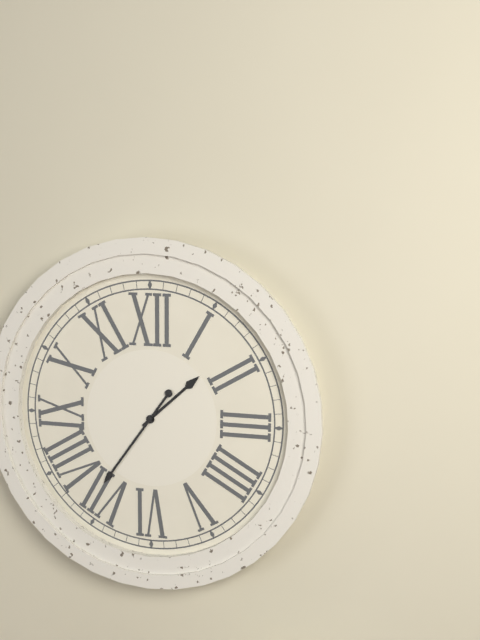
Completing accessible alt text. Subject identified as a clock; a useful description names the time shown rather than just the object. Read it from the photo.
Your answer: 1:36
